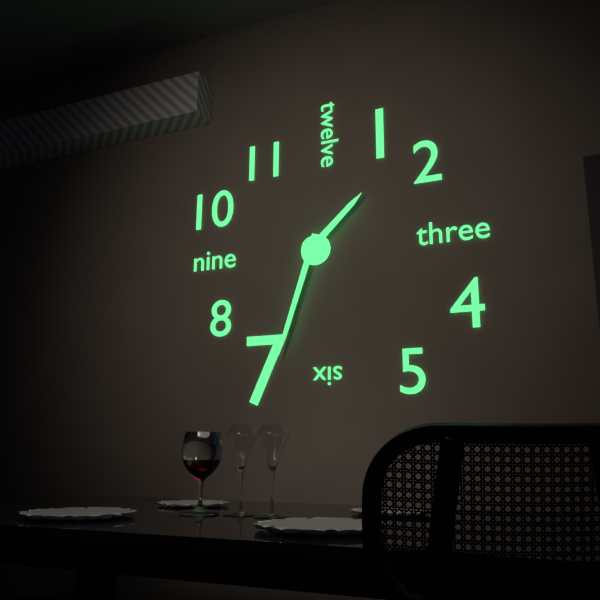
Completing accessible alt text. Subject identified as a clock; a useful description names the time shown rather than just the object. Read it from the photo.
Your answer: 1:33
